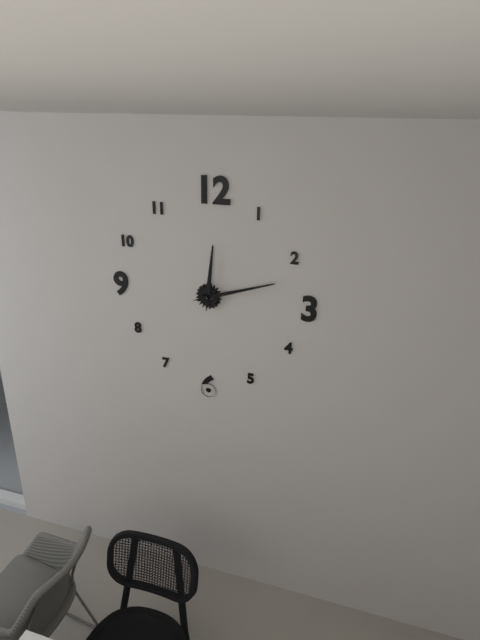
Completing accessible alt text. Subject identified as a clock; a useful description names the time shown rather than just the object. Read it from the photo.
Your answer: 12:12
